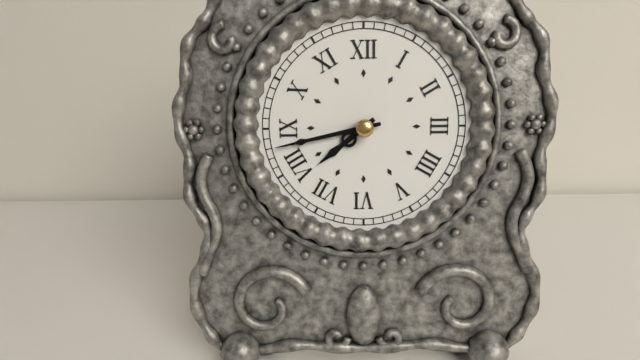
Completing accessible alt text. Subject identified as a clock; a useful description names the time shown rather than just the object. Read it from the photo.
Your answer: 7:43
